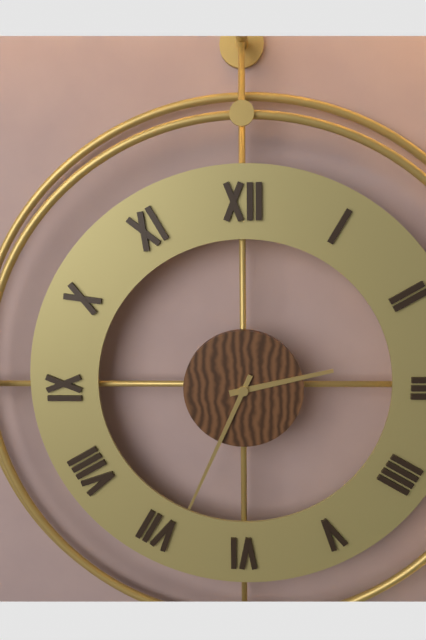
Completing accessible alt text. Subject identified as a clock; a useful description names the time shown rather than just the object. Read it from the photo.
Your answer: 2:34
